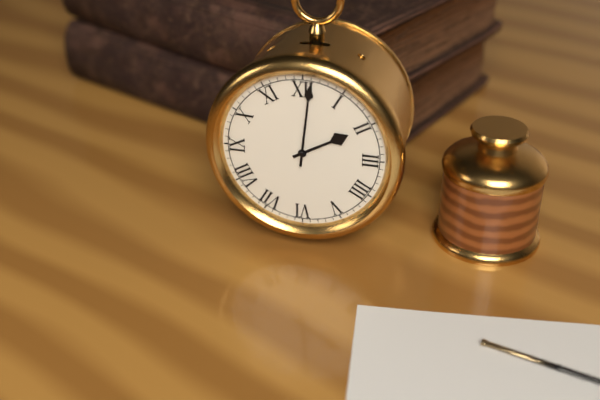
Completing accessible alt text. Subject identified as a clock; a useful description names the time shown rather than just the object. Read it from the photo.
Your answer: 2:01
